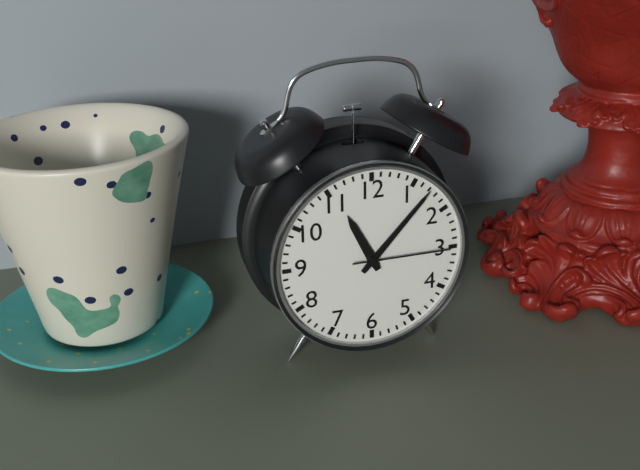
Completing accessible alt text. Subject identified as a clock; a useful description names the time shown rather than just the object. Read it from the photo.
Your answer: 11:07:15
